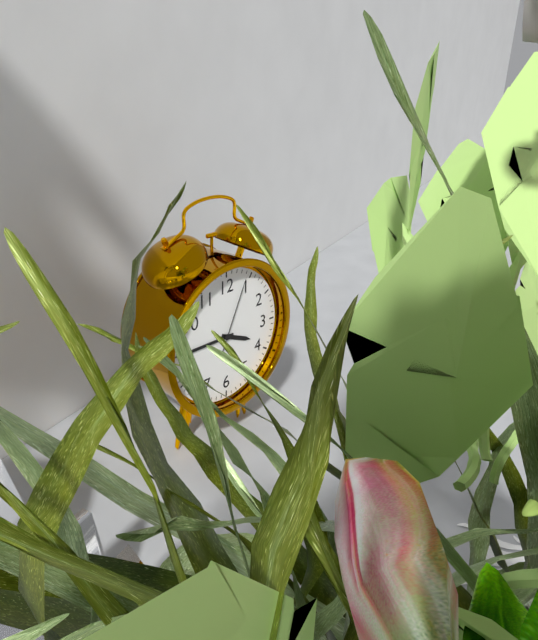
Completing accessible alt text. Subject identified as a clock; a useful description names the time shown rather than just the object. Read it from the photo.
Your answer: 3:45:04
